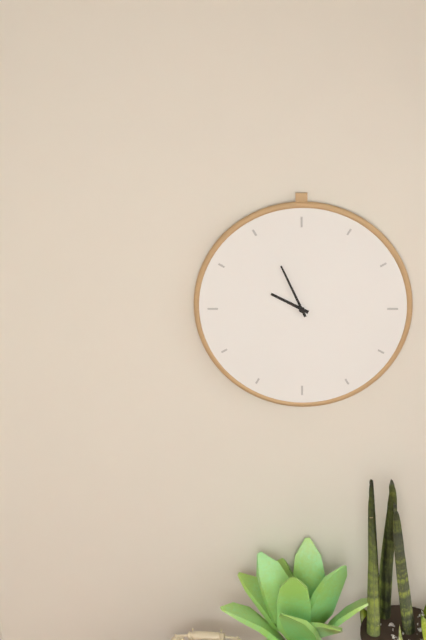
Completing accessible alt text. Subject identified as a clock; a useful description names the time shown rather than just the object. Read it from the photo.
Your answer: 9:56
